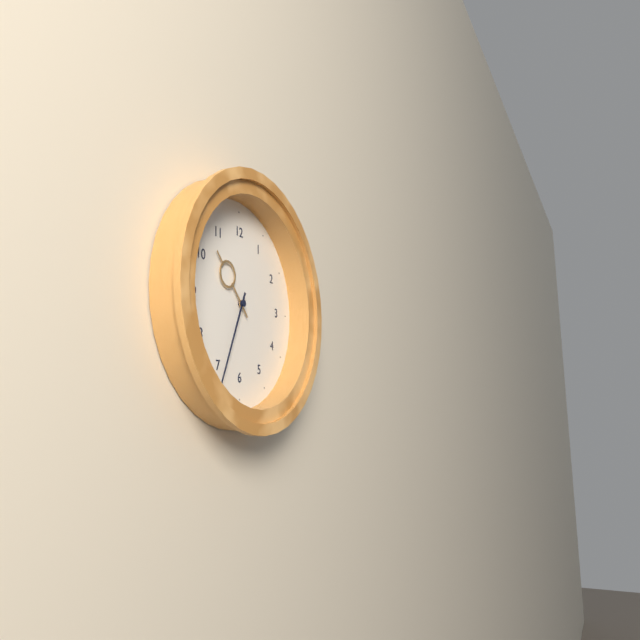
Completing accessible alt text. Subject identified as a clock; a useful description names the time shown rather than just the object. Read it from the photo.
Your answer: 10:34
